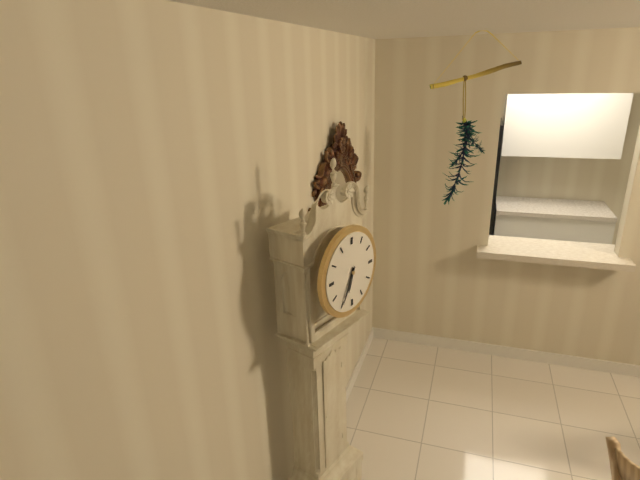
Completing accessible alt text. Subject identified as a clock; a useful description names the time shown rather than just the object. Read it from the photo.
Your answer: 6:35
